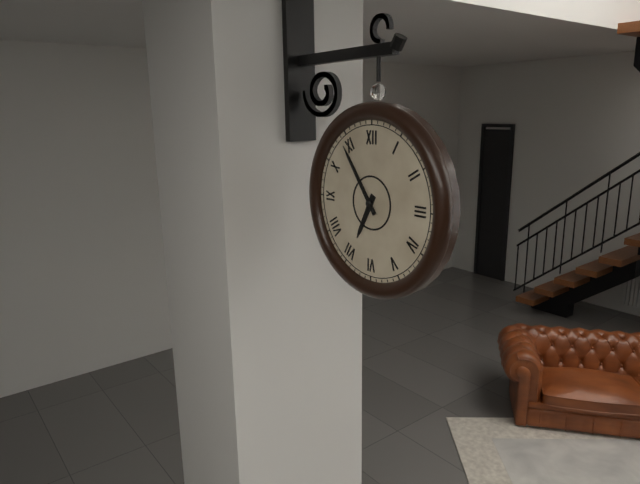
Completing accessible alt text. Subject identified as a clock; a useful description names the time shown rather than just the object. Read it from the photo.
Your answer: 6:54
